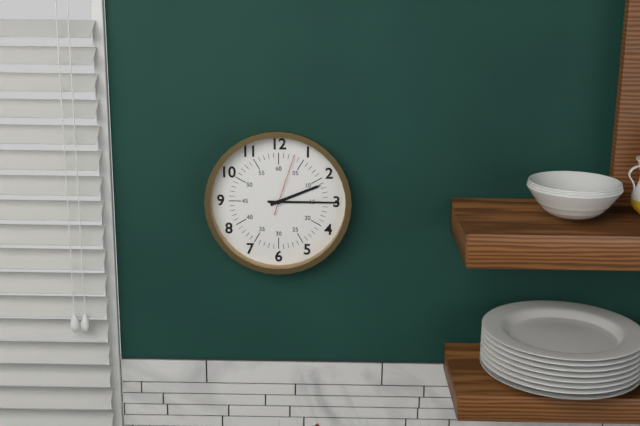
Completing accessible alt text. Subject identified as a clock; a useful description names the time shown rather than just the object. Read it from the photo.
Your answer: 2:15:03
